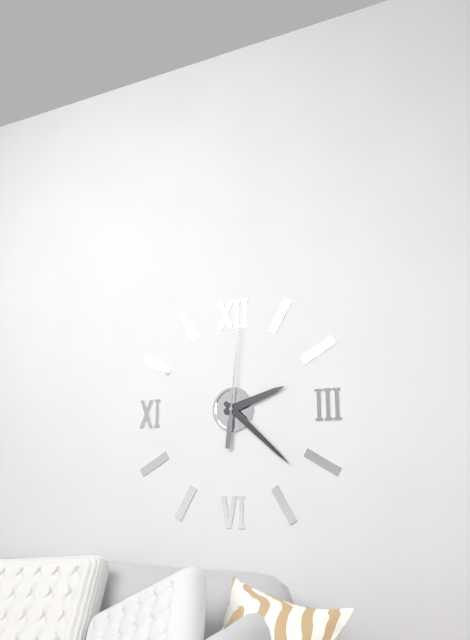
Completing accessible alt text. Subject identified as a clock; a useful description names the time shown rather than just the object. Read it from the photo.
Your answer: 2:22:01
